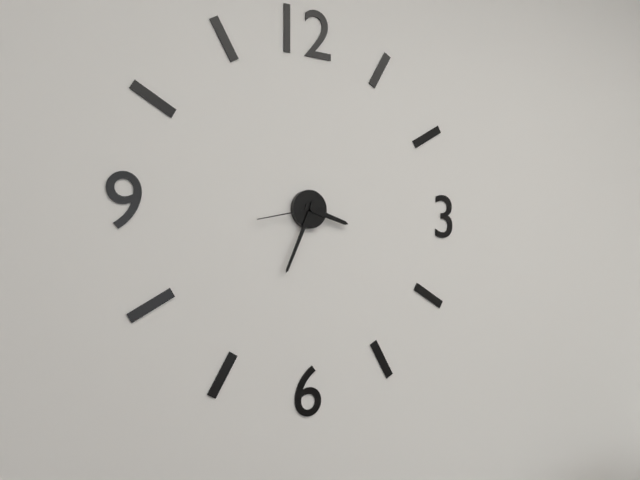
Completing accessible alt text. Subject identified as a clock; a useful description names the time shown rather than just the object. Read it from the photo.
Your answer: 3:34:43
